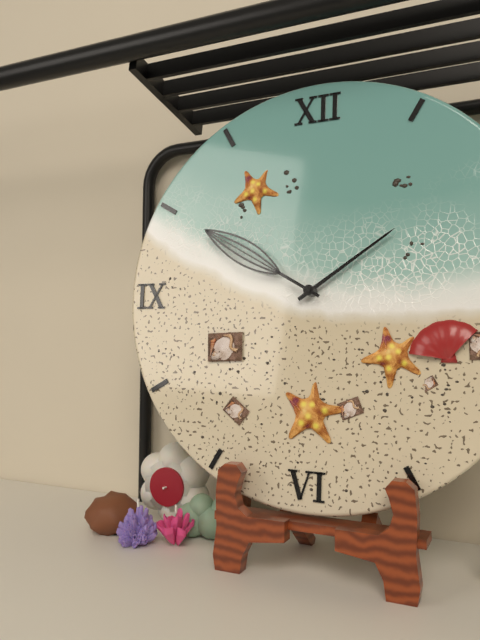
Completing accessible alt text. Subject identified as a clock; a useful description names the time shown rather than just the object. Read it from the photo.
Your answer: 1:50
